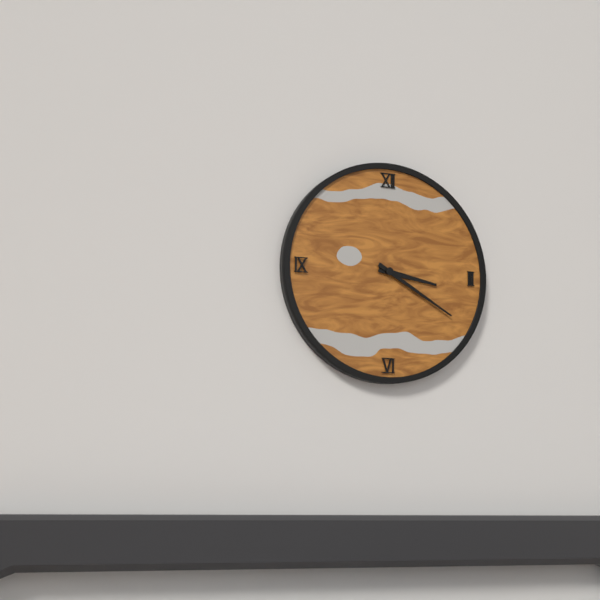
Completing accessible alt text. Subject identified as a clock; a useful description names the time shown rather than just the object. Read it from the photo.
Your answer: 3:20
